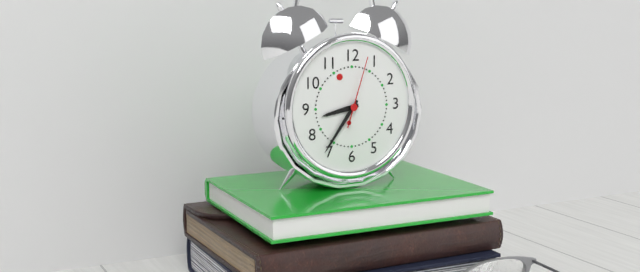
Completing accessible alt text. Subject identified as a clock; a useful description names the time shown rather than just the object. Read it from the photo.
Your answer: 8:36:03
